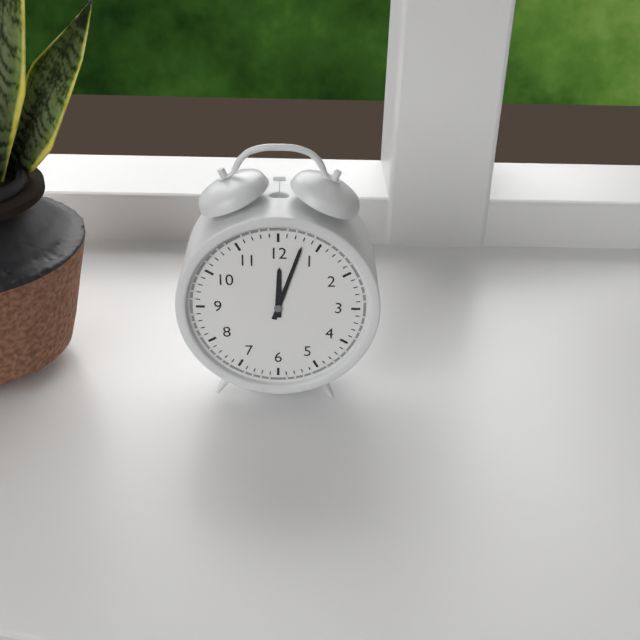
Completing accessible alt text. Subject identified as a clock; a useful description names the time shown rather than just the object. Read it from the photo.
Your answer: 12:03
